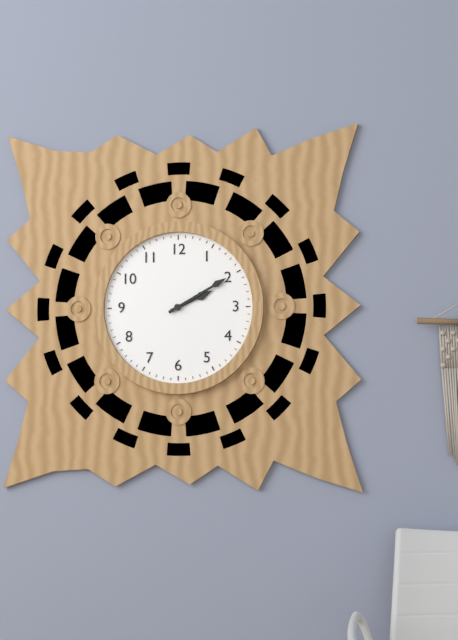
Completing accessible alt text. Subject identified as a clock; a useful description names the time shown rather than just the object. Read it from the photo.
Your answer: 2:10
